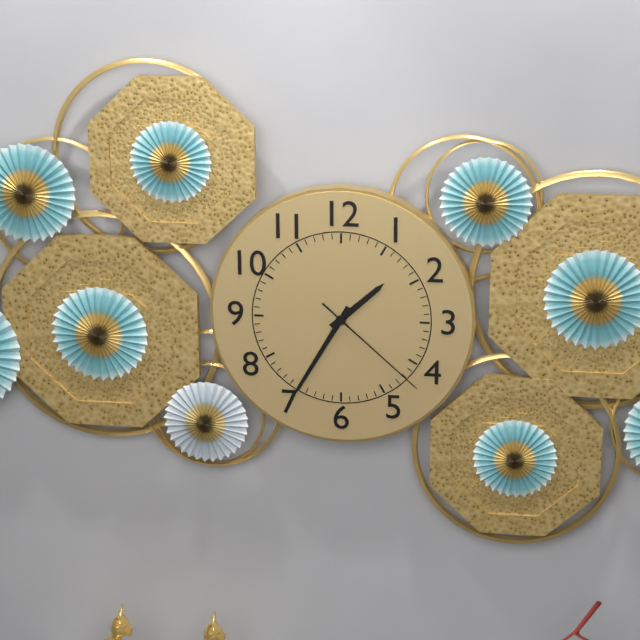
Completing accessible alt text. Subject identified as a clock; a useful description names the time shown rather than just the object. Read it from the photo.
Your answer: 1:35:22
